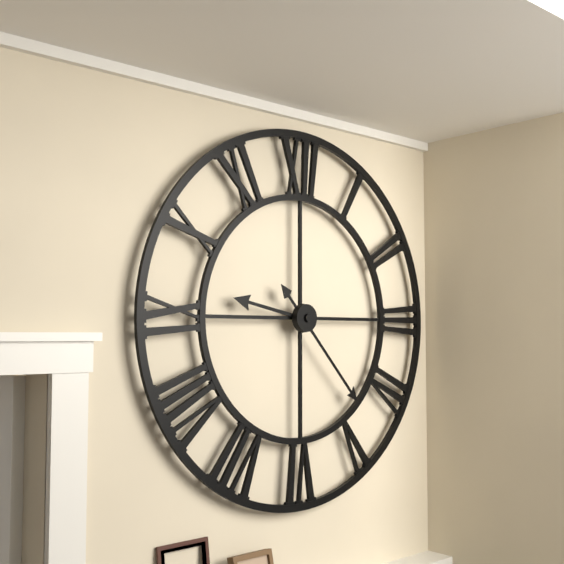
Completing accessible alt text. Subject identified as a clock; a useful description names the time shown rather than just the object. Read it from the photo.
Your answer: 9:23
